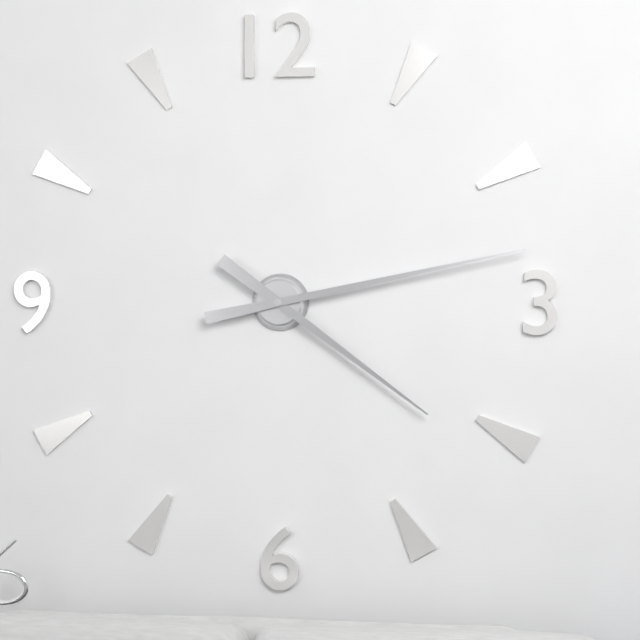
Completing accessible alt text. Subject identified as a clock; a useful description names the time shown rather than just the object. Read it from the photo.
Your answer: 4:13
